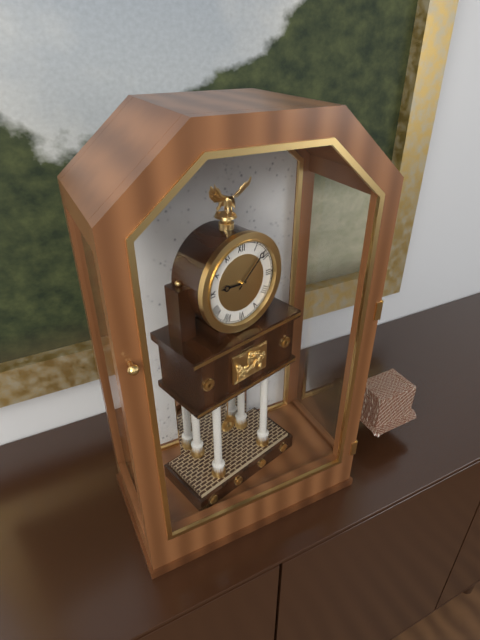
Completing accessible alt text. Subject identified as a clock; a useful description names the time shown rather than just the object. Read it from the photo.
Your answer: 9:08
